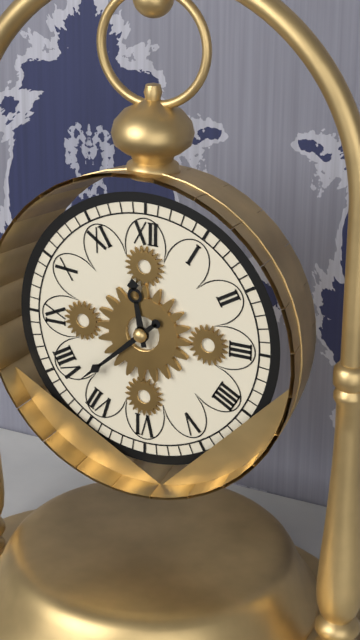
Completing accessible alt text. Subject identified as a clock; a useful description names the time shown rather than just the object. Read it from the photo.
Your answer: 11:38
